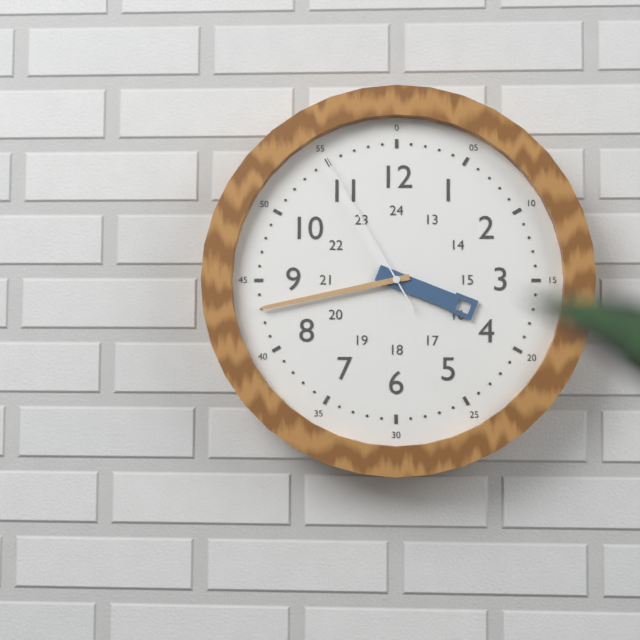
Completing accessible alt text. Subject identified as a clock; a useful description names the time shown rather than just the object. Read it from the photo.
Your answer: 3:43:55
